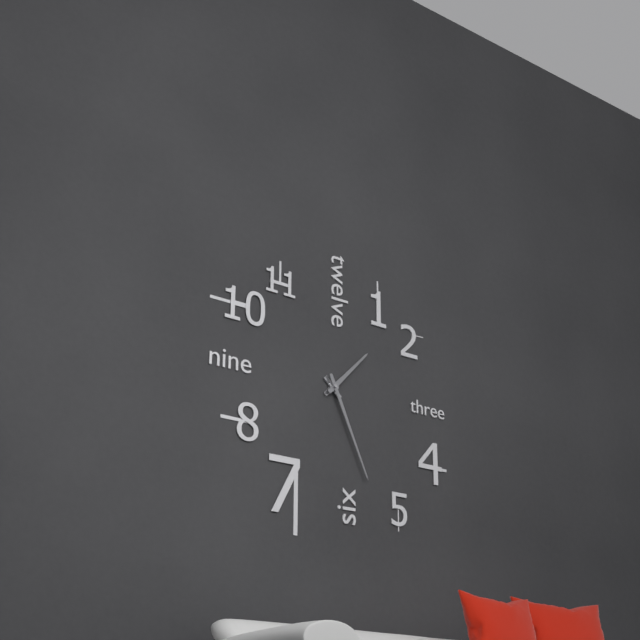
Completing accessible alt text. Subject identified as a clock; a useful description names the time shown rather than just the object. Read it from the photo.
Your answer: 1:26
